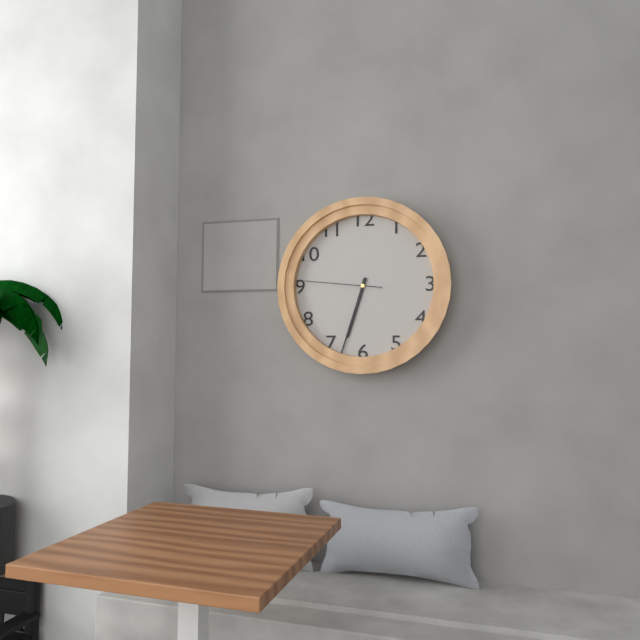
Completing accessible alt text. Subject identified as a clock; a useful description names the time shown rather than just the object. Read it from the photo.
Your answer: 6:33:46
